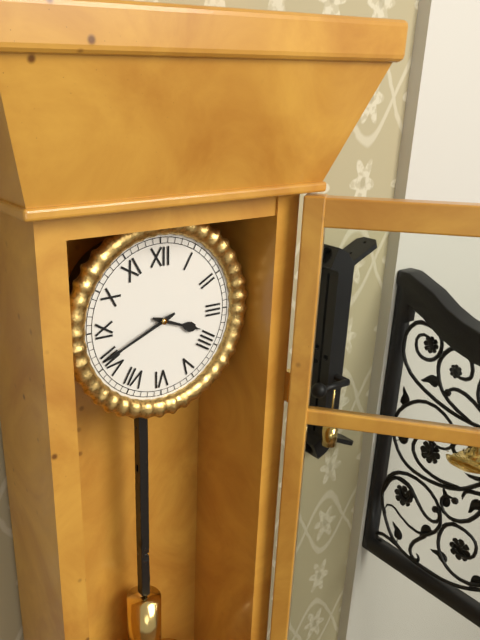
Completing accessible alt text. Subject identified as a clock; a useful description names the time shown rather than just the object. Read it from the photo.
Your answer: 3:41
